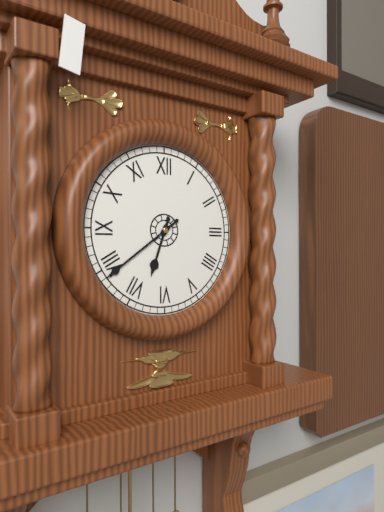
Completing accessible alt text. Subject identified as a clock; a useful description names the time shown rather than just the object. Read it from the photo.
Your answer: 6:39
